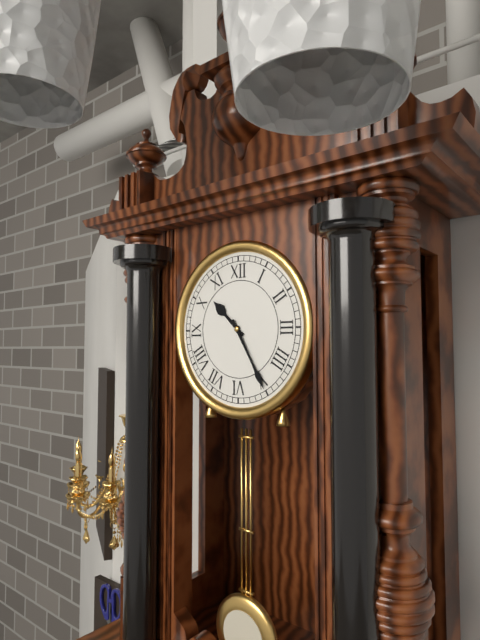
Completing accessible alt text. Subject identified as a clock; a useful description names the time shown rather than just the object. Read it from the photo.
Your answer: 10:25
